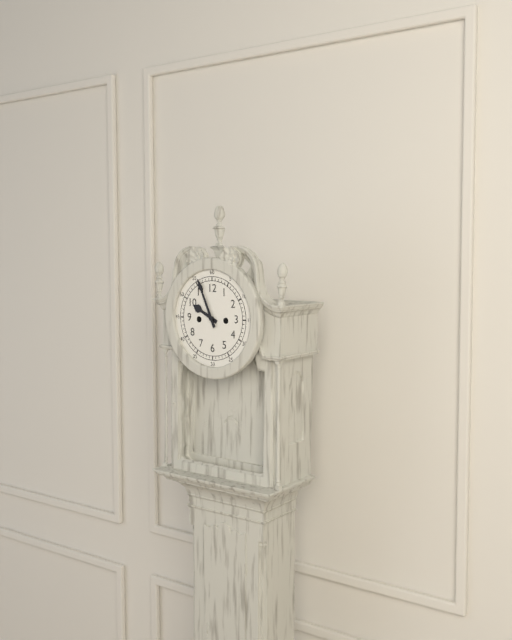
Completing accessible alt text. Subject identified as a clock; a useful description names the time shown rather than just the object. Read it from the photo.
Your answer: 9:56
